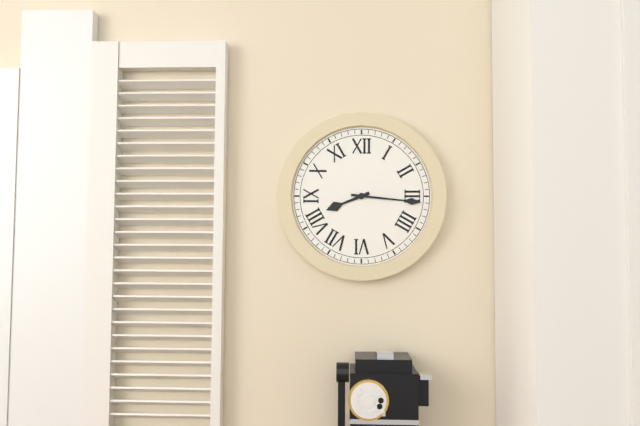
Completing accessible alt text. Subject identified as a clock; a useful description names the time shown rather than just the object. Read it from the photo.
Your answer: 8:16
